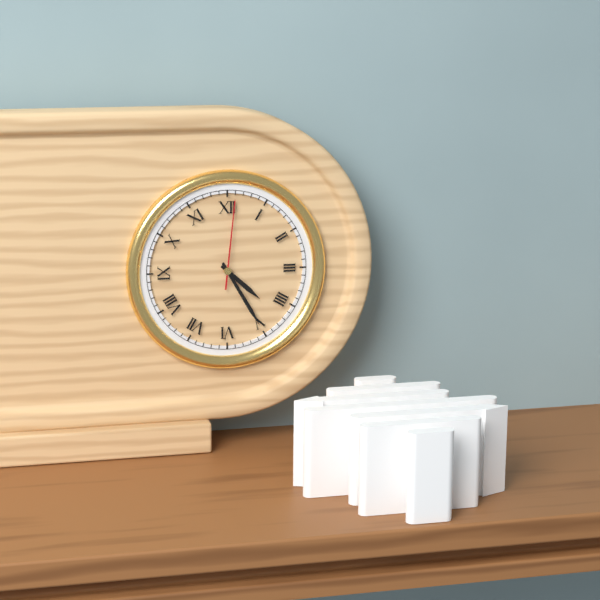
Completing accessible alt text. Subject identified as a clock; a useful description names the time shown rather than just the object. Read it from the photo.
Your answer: 4:25:01
